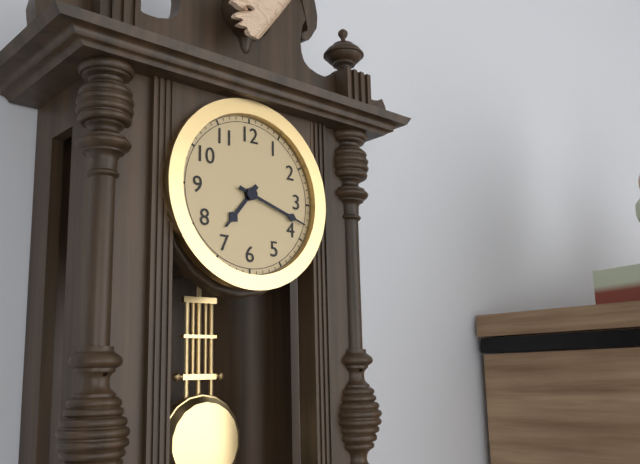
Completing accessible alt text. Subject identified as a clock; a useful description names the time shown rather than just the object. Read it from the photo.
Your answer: 7:18
